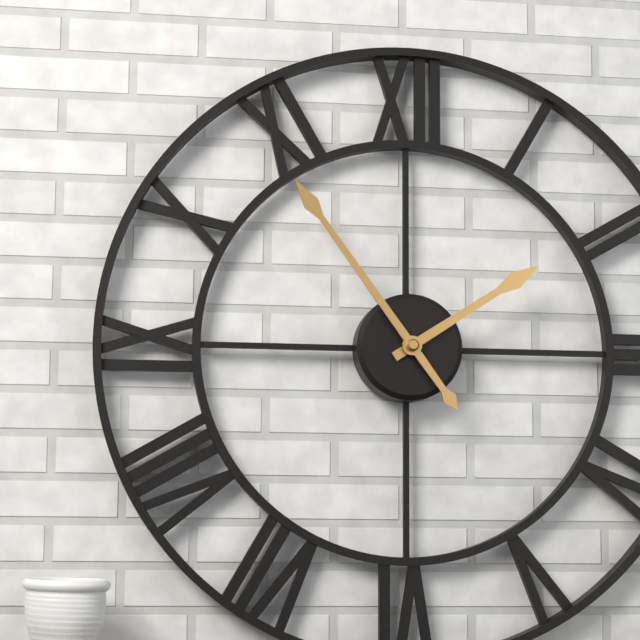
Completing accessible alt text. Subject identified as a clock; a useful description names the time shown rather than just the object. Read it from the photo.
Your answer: 1:54
